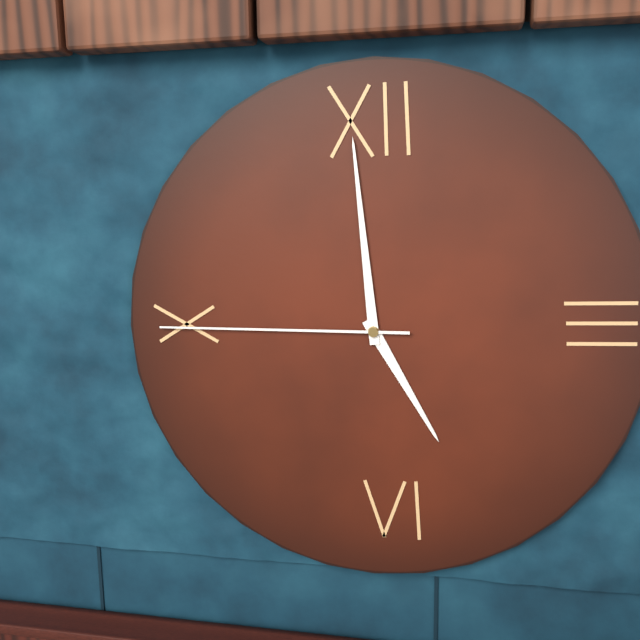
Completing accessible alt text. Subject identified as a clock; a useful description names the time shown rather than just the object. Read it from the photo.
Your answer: 4:59:45
